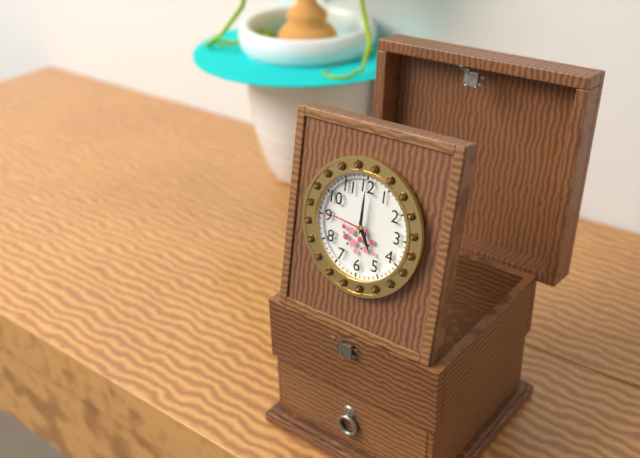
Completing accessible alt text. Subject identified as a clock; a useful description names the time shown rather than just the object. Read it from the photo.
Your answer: 5:00
